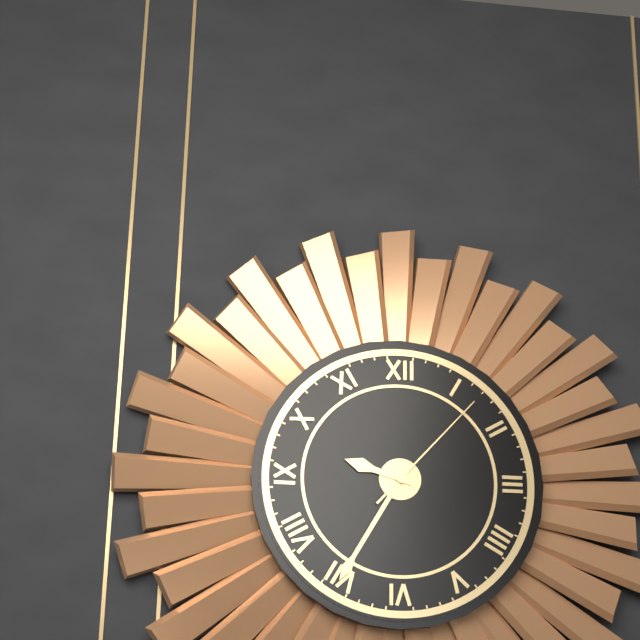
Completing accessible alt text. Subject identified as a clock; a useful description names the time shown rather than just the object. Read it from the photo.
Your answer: 9:35:07
